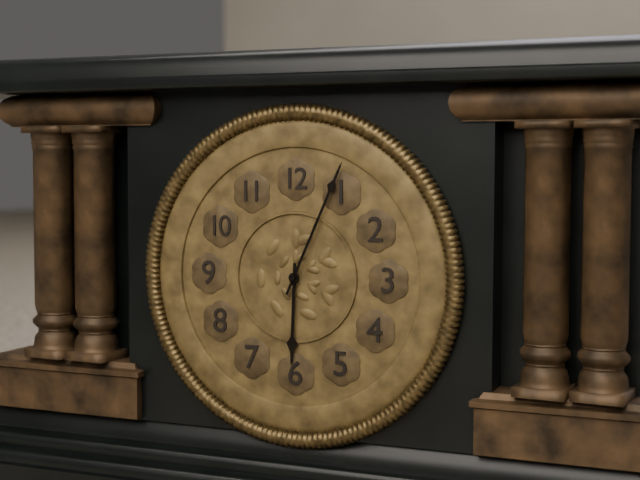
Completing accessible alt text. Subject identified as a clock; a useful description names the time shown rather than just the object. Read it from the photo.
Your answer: 6:04
